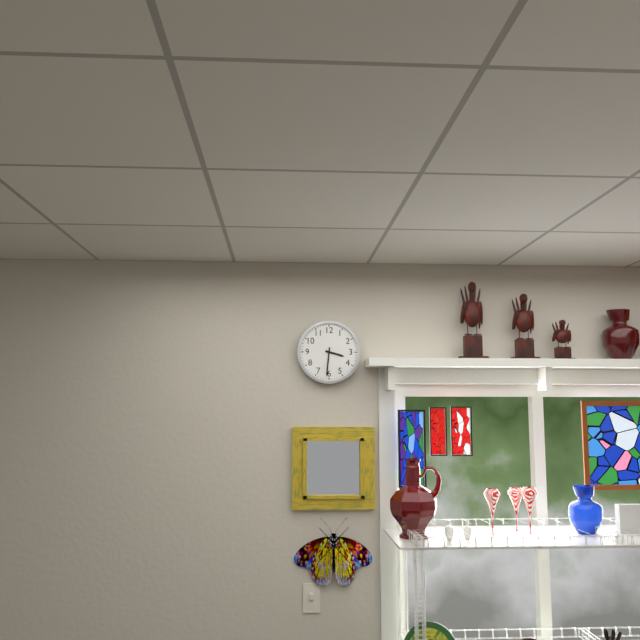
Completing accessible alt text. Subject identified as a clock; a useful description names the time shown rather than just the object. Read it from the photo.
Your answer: 3:31
